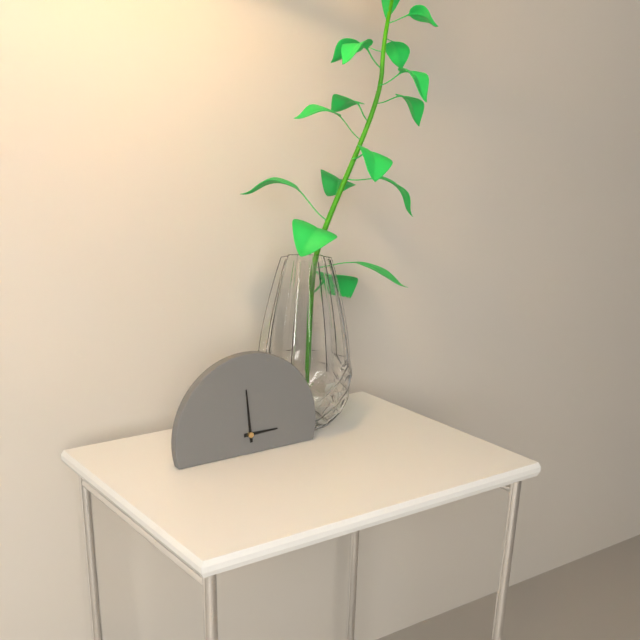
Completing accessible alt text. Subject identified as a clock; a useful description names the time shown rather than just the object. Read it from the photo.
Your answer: 2:59
